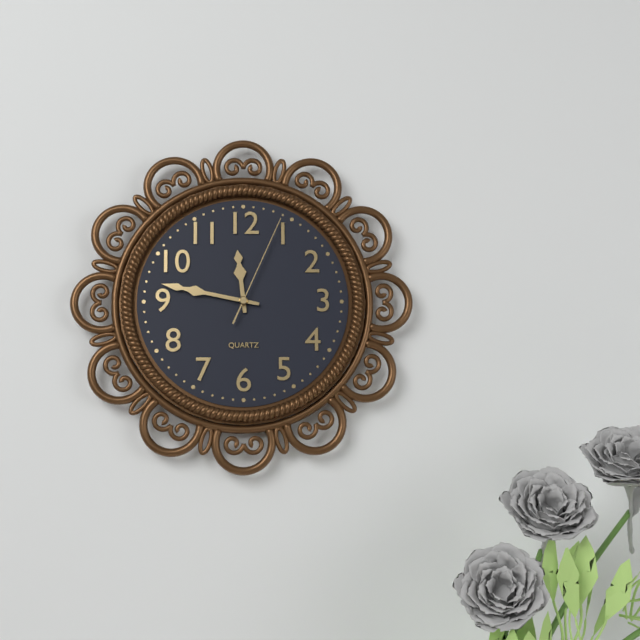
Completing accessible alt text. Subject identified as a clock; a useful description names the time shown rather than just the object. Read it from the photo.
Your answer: 11:47:04
